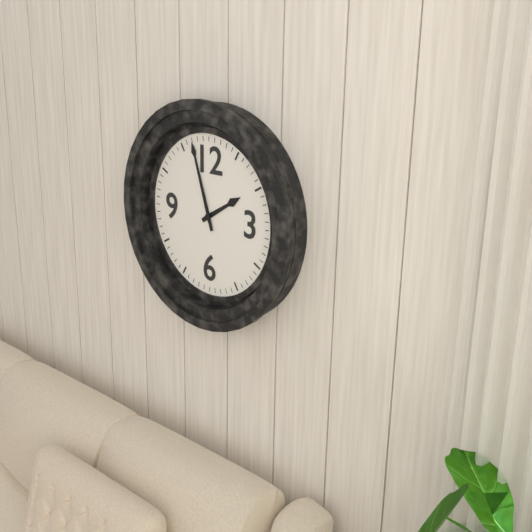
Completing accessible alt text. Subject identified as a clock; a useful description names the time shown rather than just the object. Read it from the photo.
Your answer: 1:57
